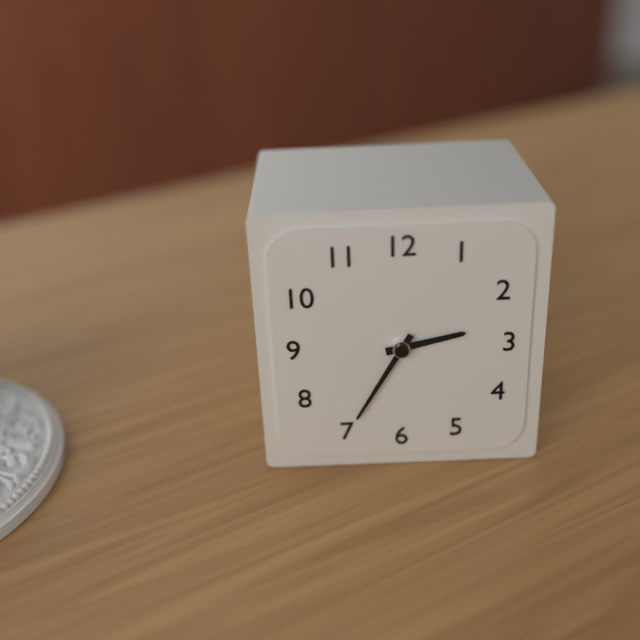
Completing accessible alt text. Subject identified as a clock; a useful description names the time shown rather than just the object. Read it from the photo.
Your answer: 2:35
